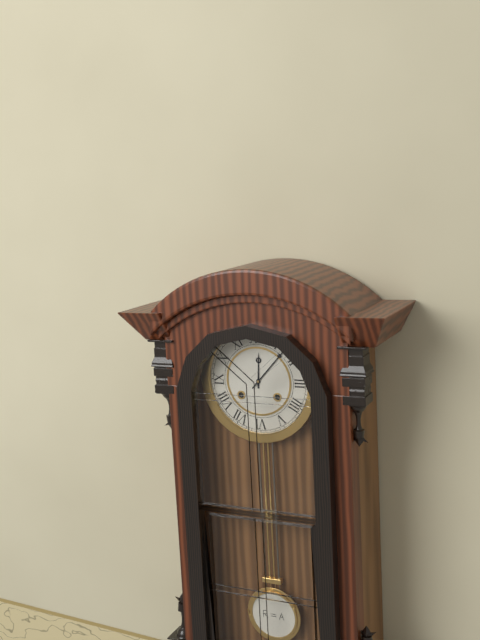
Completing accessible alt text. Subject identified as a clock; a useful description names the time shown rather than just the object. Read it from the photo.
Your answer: 12:07
